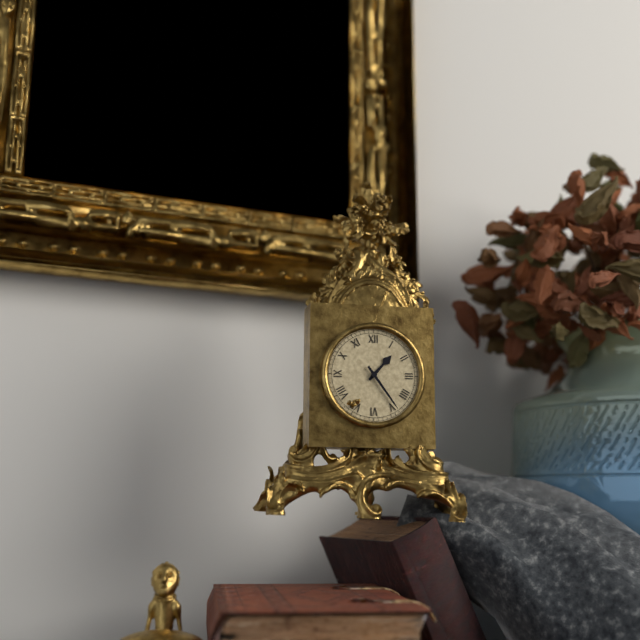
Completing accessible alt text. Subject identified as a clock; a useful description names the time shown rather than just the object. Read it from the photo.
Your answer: 1:24
